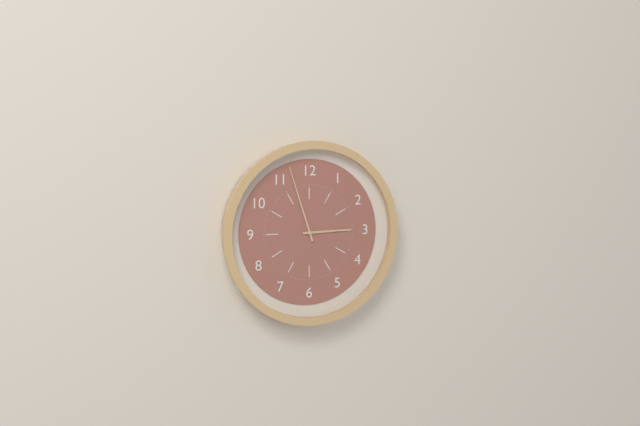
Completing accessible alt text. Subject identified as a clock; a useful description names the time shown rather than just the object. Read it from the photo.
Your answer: 2:57
